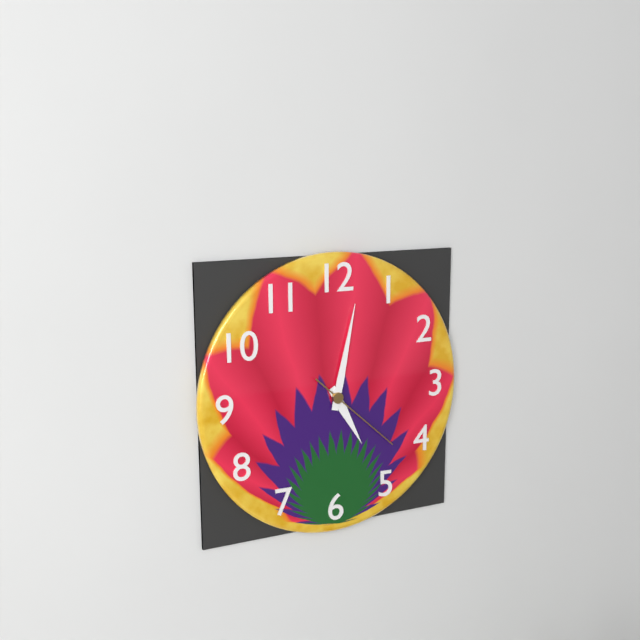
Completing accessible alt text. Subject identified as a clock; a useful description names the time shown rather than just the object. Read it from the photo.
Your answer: 5:02:22
